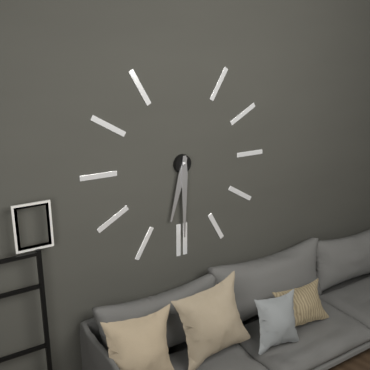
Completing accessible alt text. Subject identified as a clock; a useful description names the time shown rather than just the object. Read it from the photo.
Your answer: 6:30
